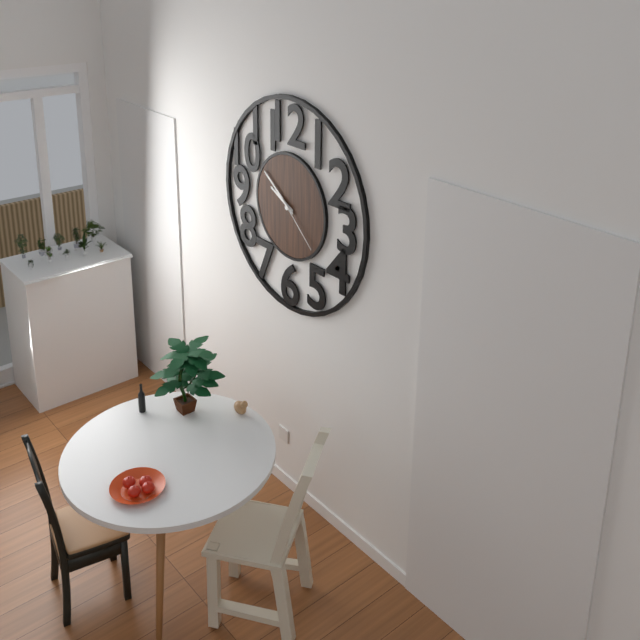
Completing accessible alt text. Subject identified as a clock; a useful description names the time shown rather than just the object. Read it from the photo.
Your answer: 9:51:22
